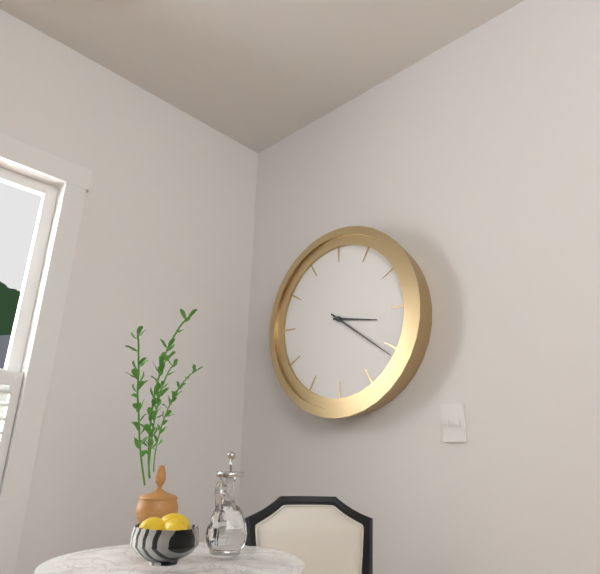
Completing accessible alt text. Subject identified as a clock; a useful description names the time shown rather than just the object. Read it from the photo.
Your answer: 3:21
